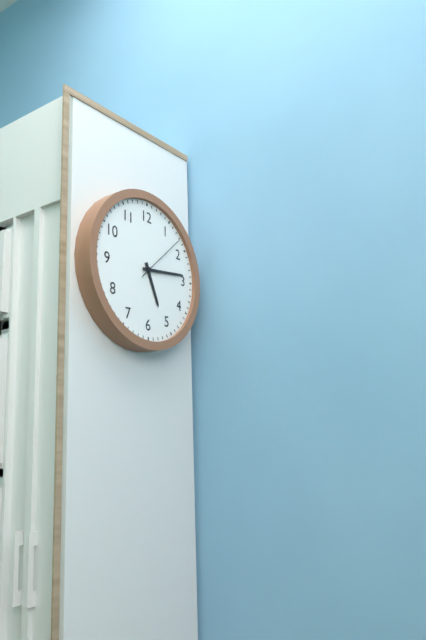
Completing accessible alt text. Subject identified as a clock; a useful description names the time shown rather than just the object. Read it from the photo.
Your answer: 5:14:08
